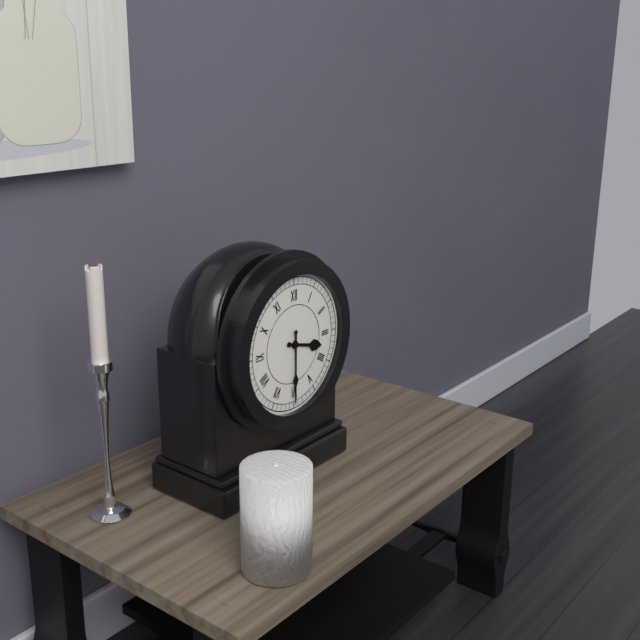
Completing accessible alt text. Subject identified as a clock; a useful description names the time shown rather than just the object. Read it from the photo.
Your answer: 3:30
